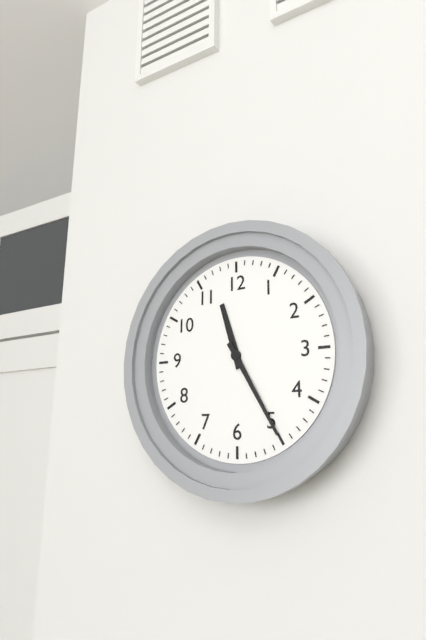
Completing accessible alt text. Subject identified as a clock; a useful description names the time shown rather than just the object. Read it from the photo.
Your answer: 11:25
